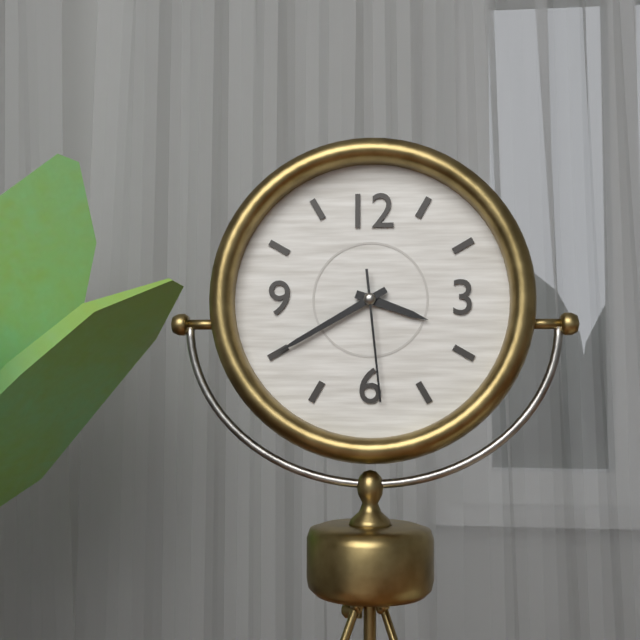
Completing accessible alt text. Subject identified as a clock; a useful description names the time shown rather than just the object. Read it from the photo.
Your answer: 3:40:29
